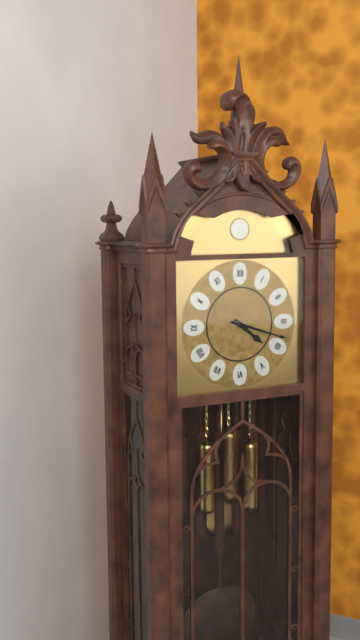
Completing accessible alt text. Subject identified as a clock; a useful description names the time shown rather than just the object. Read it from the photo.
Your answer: 4:18
